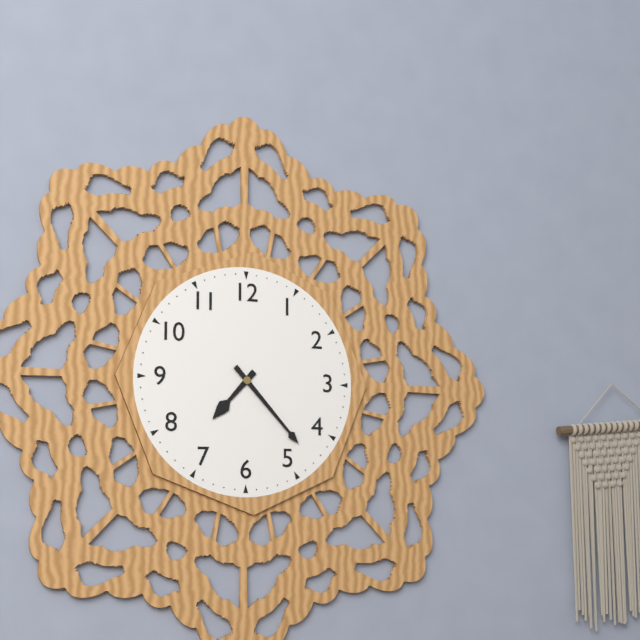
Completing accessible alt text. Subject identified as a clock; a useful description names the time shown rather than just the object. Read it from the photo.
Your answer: 7:23
